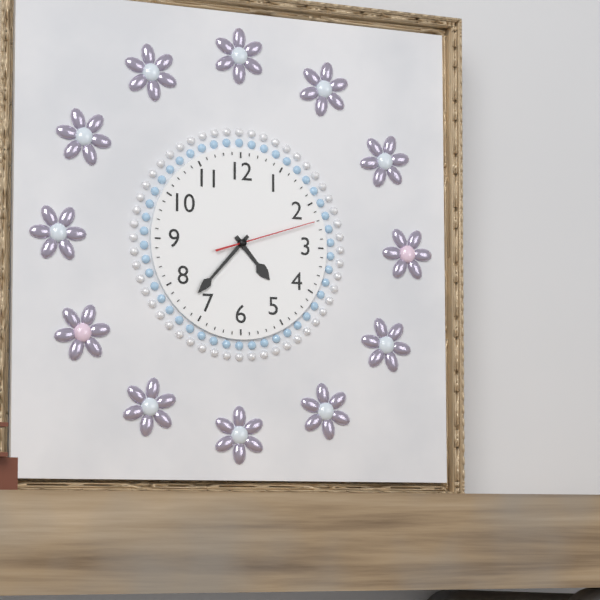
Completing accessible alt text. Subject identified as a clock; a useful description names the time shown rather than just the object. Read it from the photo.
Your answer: 4:37:12
